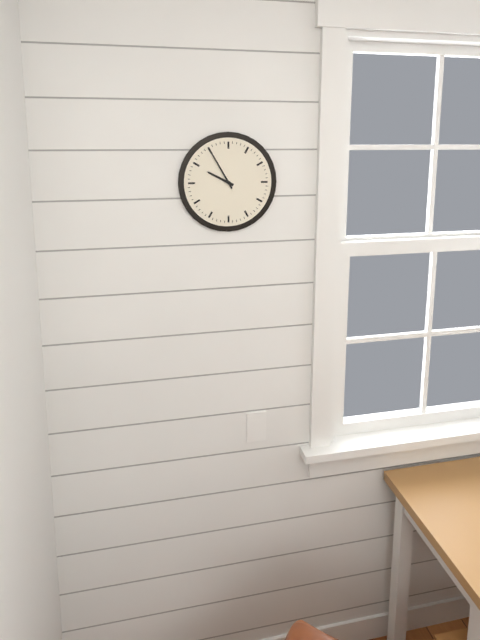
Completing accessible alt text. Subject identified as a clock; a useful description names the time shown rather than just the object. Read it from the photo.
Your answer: 9:55
